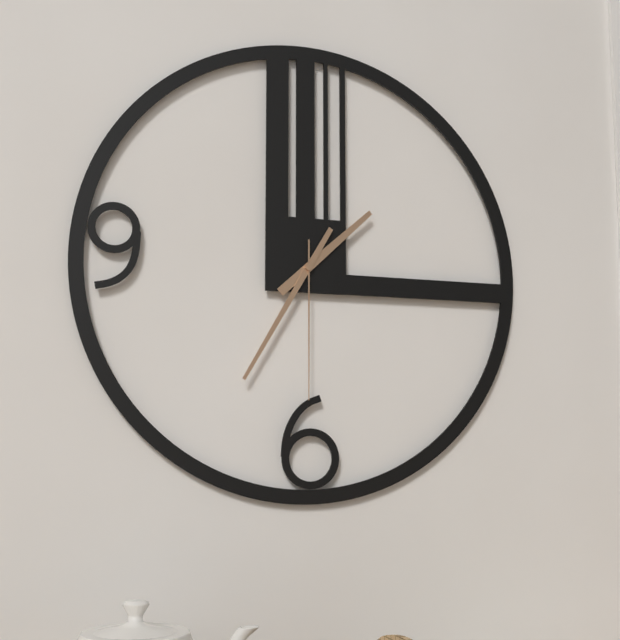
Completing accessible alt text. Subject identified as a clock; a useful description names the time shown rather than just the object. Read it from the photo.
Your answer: 1:35:30
